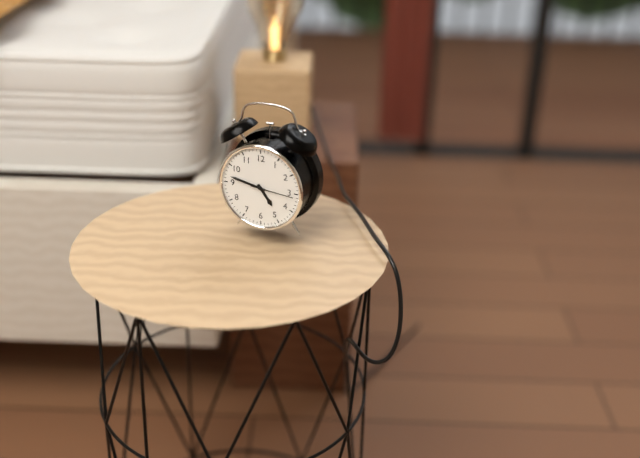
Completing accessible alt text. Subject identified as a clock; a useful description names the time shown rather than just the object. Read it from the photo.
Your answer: 4:47
